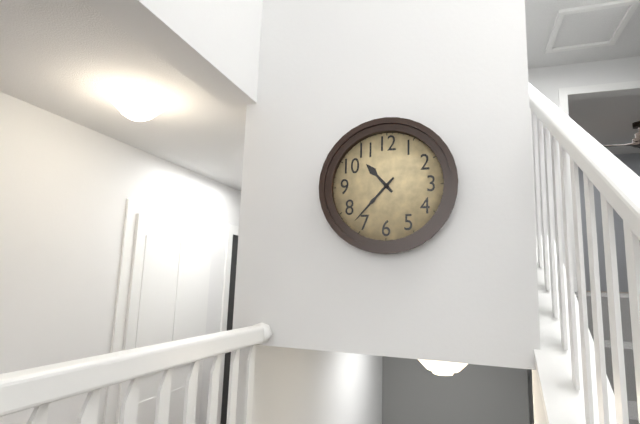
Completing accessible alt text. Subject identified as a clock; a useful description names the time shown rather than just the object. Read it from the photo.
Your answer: 10:37
